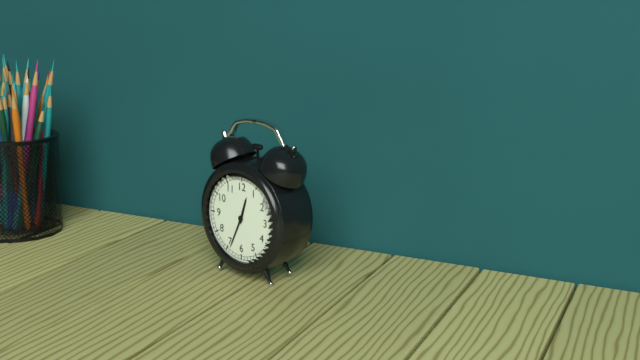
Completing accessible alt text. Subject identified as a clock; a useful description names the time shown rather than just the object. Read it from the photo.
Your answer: 12:34
